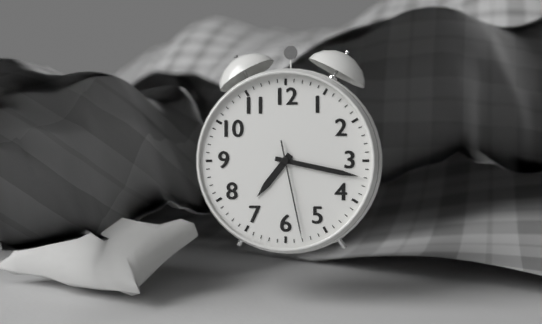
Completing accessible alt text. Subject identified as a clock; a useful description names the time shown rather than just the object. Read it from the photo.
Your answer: 7:17:28
